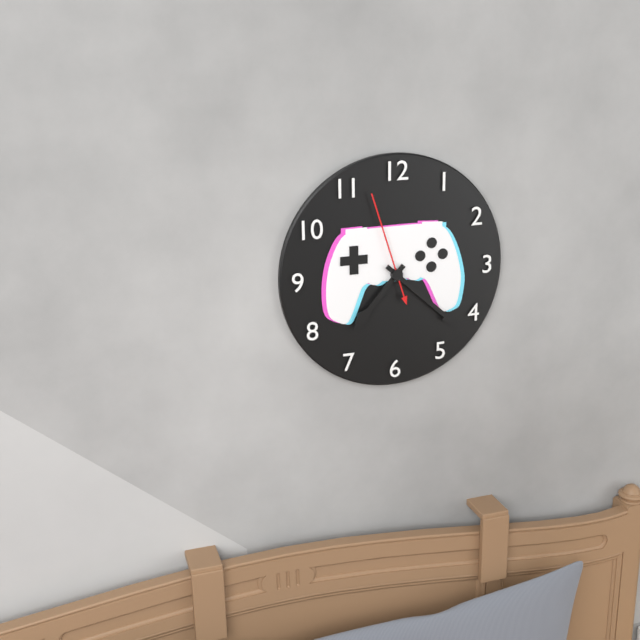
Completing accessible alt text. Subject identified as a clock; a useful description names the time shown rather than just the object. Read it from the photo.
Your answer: 7:22:57
